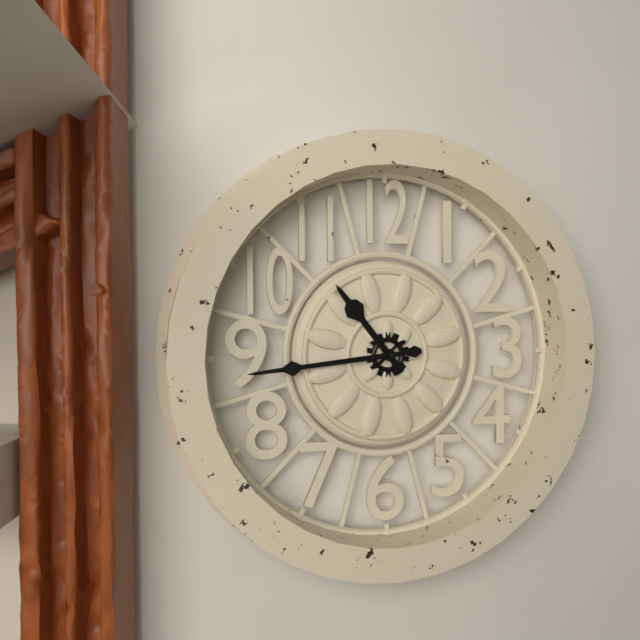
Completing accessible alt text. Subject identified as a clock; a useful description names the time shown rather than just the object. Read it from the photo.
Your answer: 10:44
